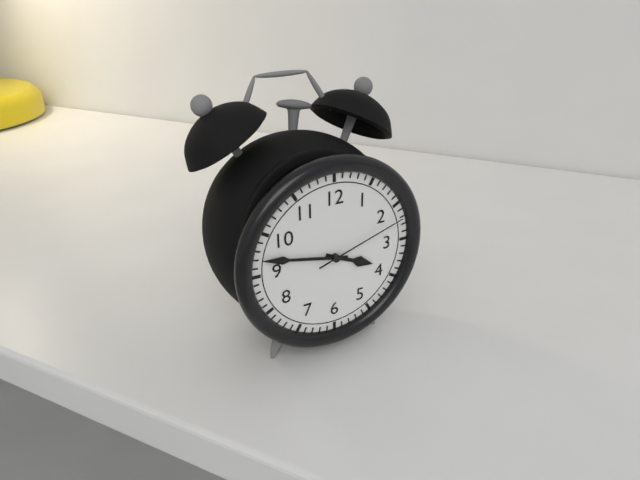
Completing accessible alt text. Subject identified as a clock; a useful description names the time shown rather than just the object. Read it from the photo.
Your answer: 3:47:12
